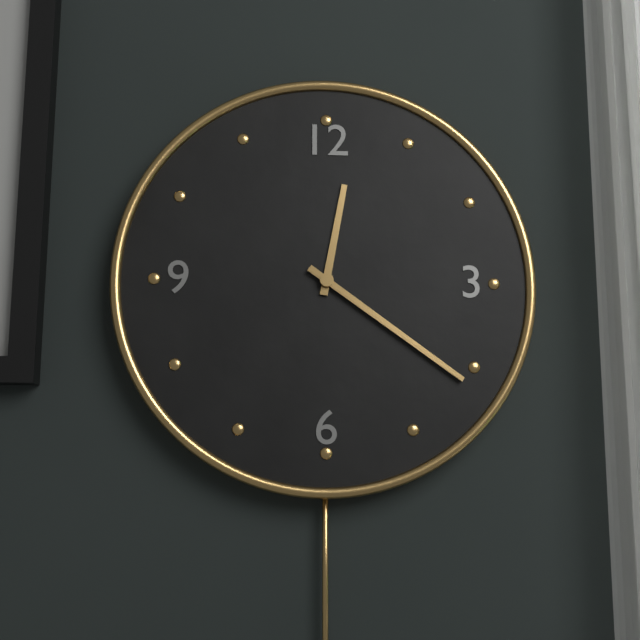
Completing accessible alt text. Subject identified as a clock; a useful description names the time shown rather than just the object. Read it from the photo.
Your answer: 12:21
